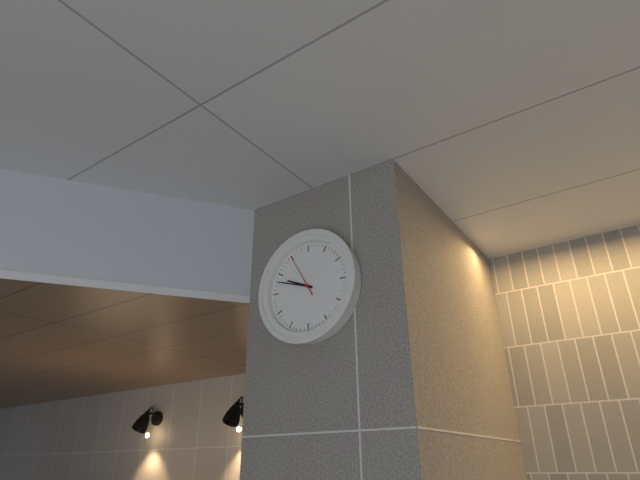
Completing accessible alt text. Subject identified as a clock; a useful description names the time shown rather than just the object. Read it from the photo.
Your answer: 9:48
